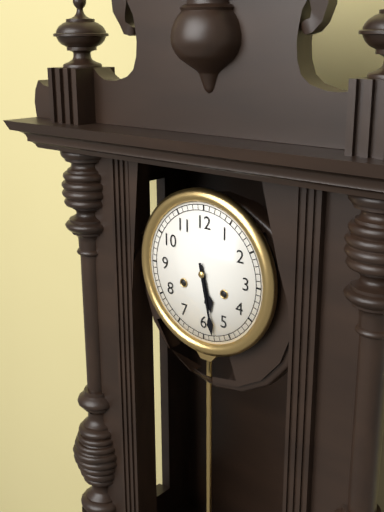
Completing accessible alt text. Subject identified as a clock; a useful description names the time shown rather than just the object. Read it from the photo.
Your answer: 5:28
